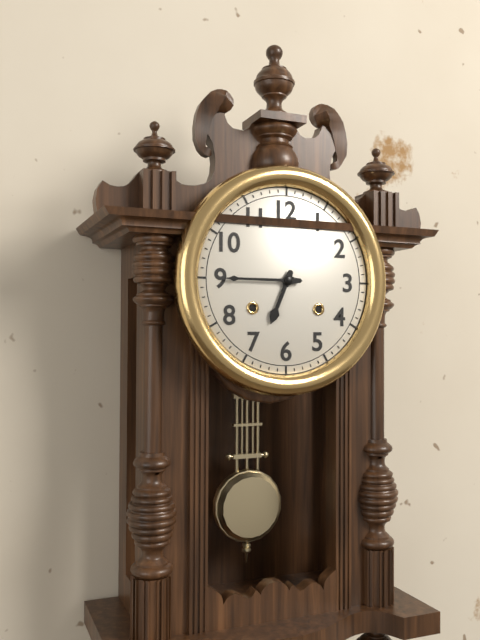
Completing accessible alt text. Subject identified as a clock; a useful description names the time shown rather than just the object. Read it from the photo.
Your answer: 6:45
